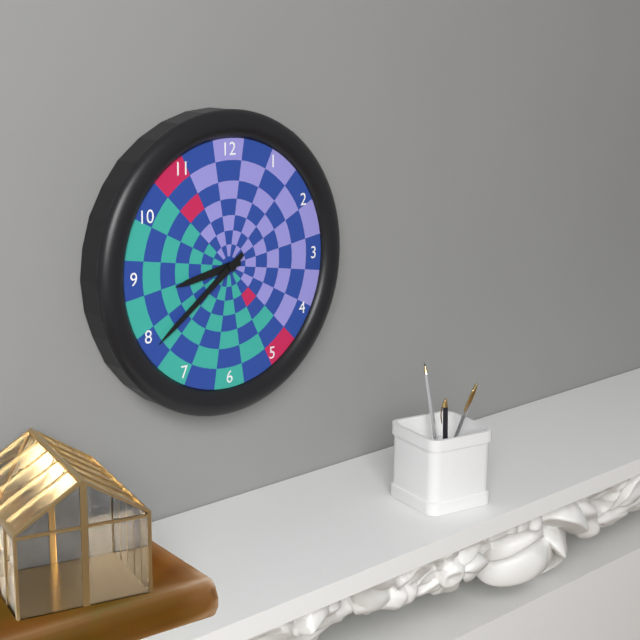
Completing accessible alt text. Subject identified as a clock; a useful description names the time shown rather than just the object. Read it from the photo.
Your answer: 8:39
